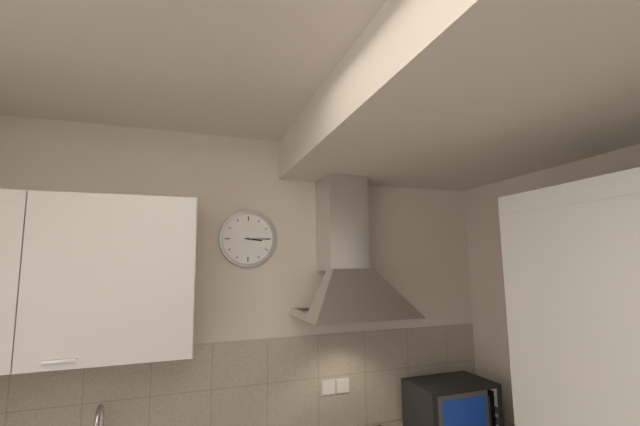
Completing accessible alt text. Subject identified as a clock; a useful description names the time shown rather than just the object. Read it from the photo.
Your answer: 3:15
